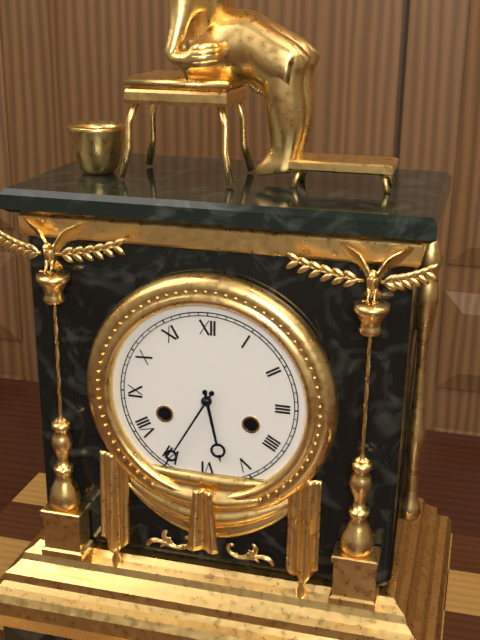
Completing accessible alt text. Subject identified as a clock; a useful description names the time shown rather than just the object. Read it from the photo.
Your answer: 5:35
